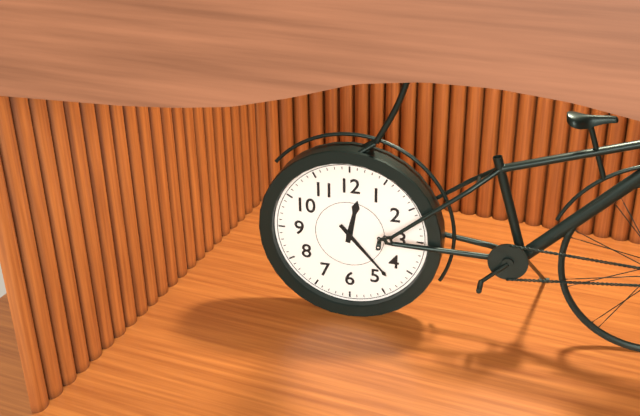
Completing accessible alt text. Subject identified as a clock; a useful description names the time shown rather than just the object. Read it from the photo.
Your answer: 12:23
